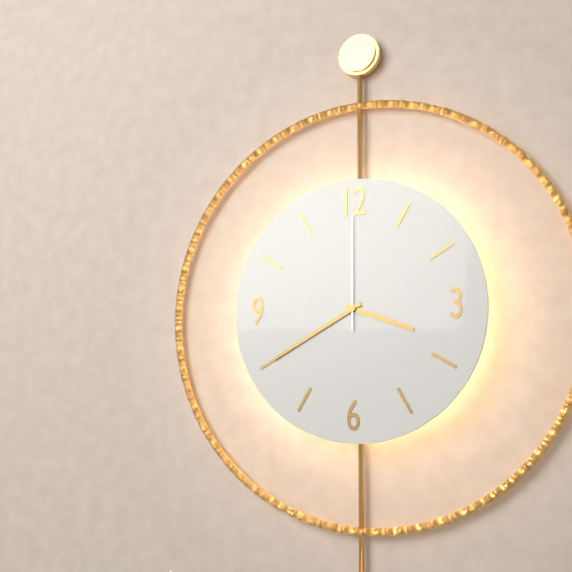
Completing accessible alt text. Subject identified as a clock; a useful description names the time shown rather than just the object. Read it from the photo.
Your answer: 3:40:00
